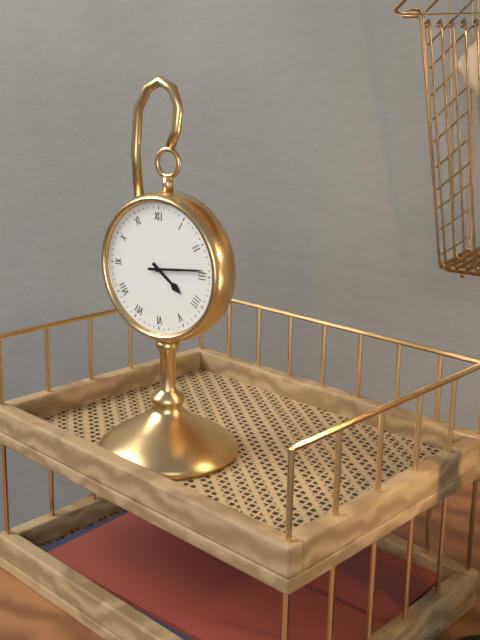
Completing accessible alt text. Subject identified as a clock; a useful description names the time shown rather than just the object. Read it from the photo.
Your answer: 4:14
